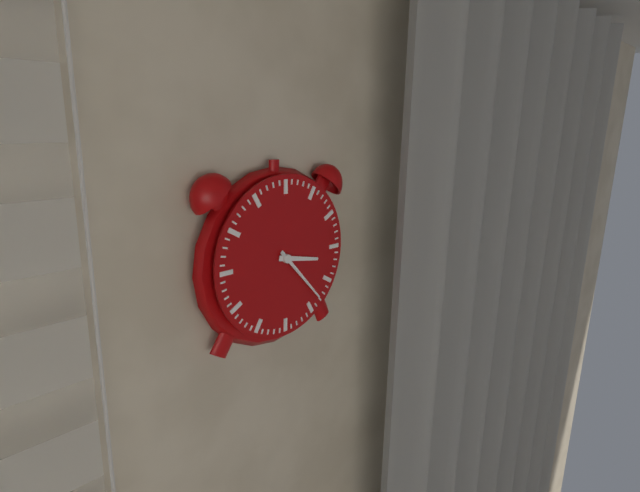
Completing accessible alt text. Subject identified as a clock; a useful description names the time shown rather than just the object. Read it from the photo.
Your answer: 3:23
